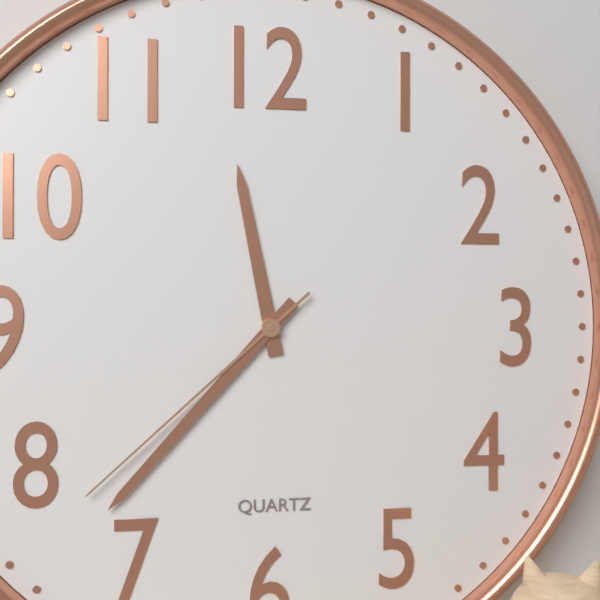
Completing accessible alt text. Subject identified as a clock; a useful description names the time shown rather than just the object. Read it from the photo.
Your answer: 11:37:38
